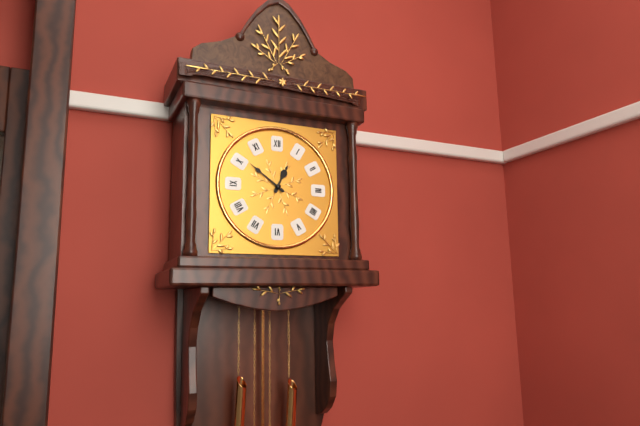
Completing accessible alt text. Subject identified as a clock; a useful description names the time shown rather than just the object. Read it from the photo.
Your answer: 12:51
